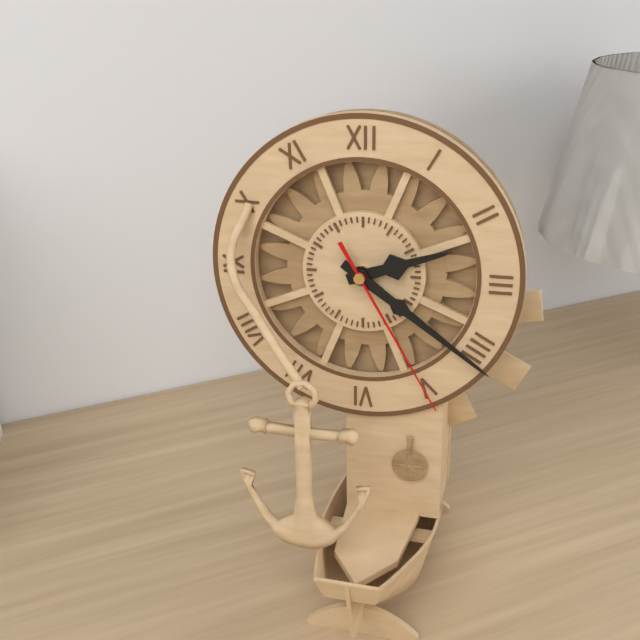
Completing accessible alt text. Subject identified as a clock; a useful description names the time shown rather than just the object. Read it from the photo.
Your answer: 2:21:25
